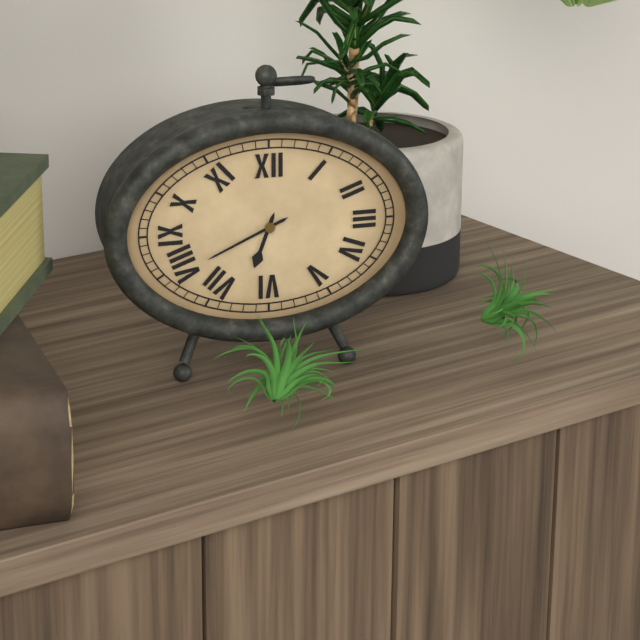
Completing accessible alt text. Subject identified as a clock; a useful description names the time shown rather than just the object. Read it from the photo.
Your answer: 6:41
